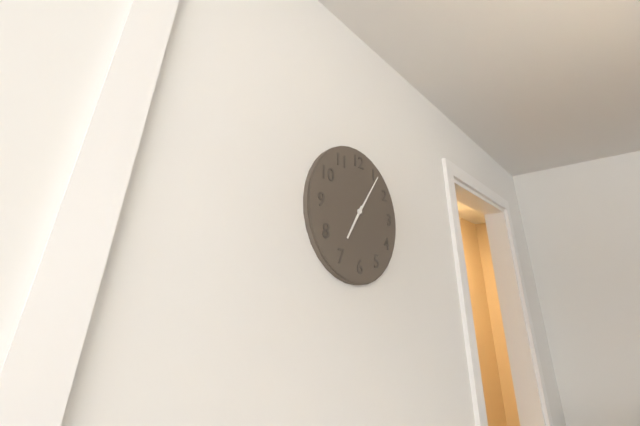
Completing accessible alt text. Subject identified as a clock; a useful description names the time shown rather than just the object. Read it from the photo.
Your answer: 7:06
